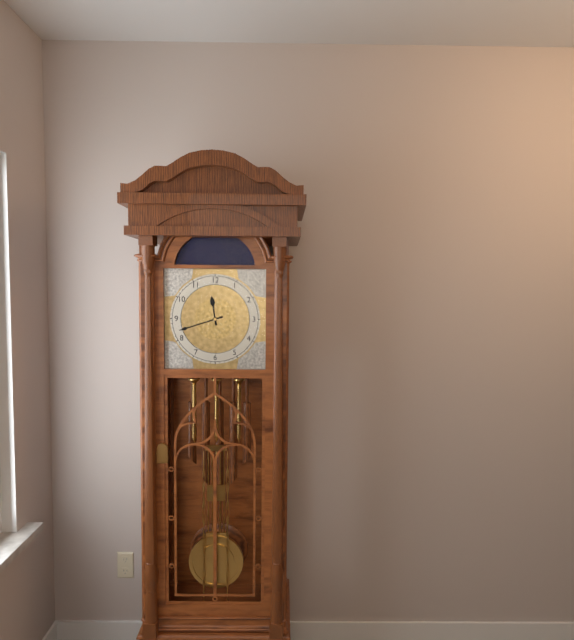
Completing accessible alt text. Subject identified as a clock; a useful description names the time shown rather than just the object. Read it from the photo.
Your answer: 11:42
